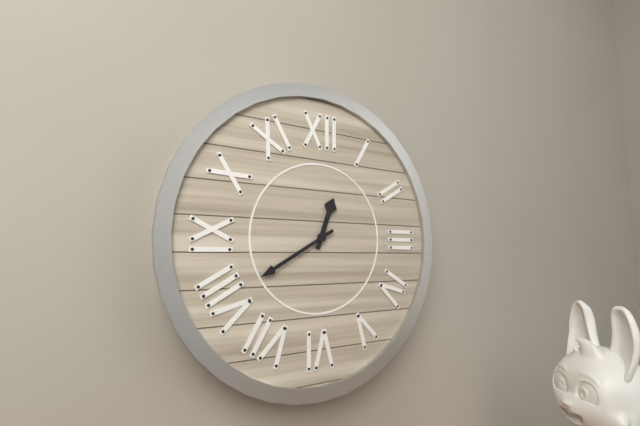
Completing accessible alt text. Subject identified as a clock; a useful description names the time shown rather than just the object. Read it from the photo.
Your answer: 12:40
